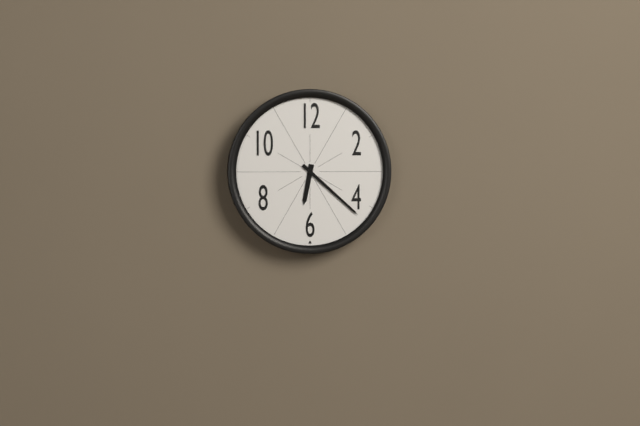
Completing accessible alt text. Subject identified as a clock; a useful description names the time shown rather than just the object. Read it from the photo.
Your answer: 6:22
